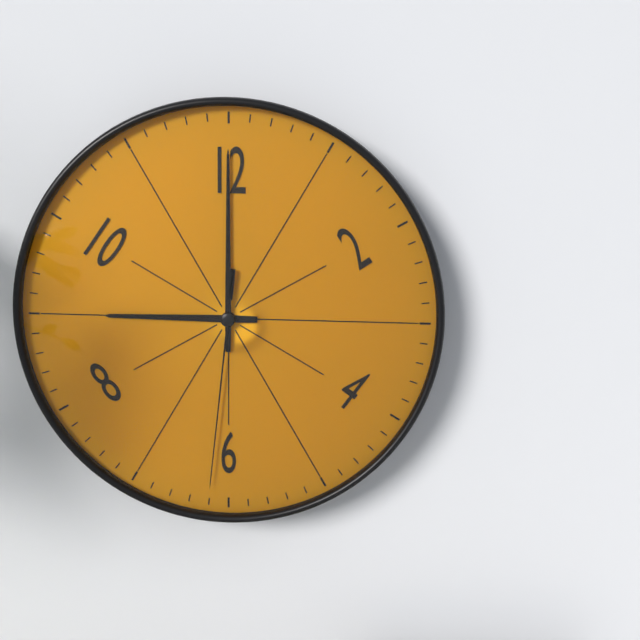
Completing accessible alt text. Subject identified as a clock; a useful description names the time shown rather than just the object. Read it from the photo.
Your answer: 9:00:31
